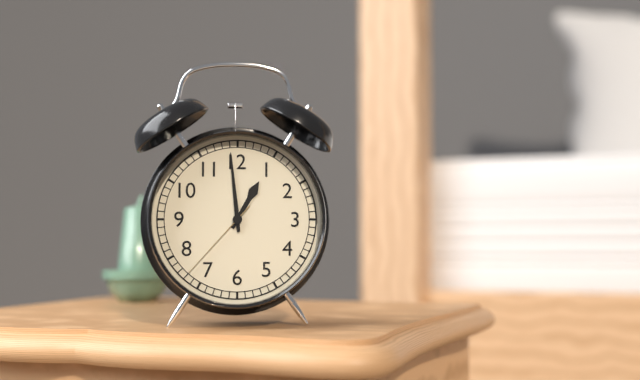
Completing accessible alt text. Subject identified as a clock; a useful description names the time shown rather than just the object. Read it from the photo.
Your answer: 12:59:37
